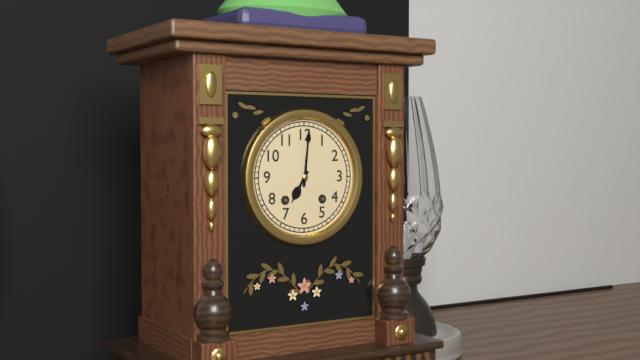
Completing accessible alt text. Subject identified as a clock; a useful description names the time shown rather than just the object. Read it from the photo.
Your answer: 7:01
